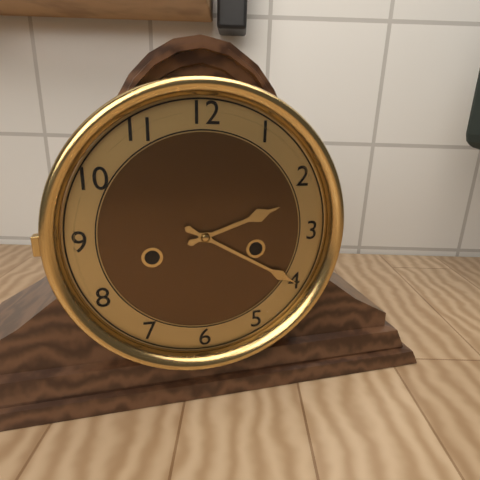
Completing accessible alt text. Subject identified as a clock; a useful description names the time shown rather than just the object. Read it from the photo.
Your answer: 2:20
